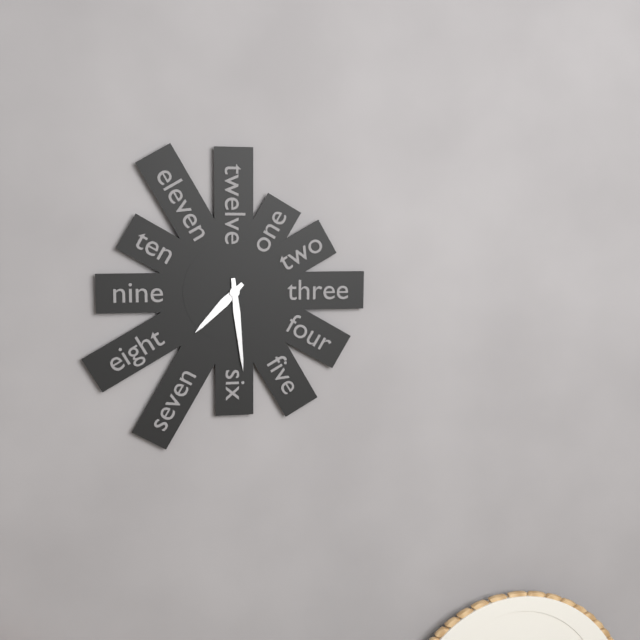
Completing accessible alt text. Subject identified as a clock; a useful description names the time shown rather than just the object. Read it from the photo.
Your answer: 7:29
